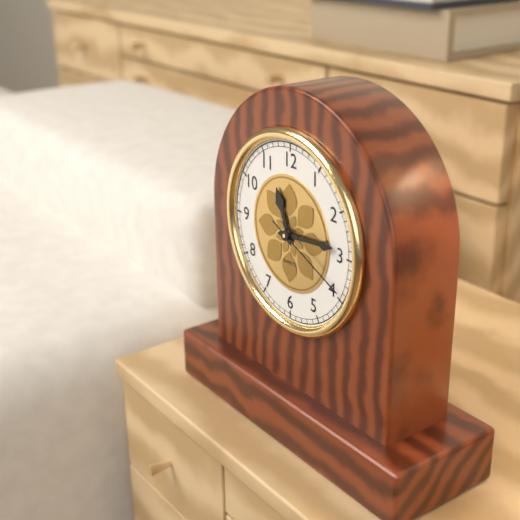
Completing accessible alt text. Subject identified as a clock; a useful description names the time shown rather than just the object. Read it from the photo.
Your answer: 11:14:19
